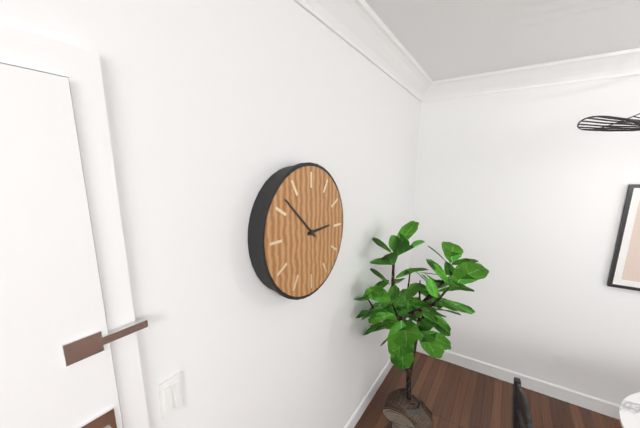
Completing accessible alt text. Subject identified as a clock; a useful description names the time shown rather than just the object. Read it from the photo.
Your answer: 2:52
